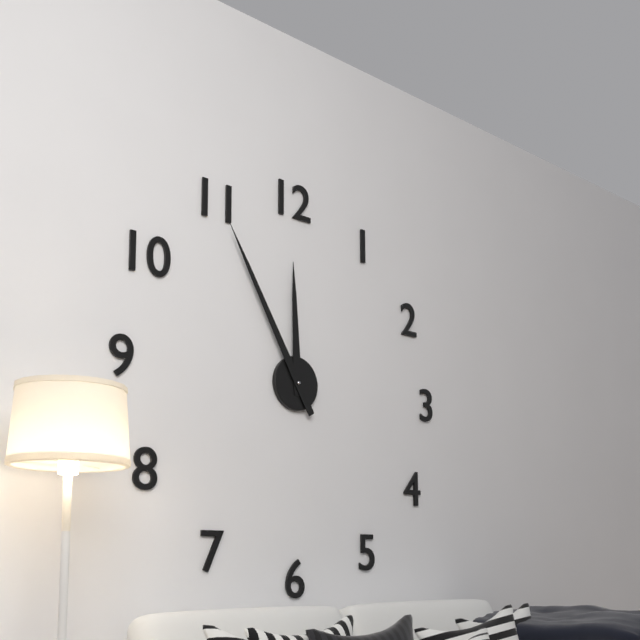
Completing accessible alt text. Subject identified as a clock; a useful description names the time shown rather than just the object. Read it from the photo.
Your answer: 11:55
